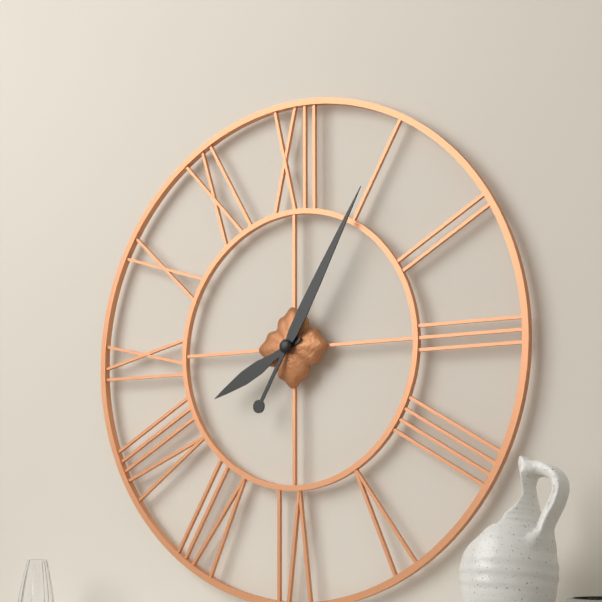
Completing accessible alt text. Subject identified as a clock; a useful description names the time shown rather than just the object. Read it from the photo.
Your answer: 8:05
